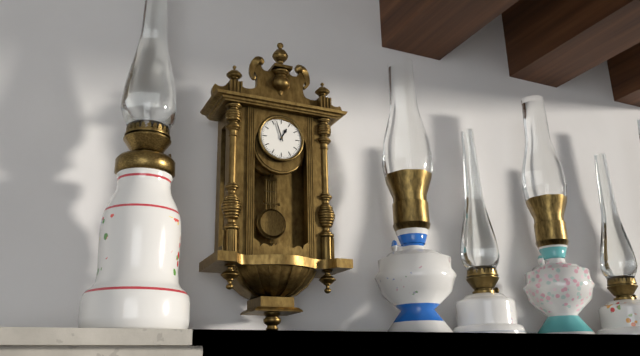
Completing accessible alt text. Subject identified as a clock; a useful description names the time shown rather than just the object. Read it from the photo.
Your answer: 12:57
